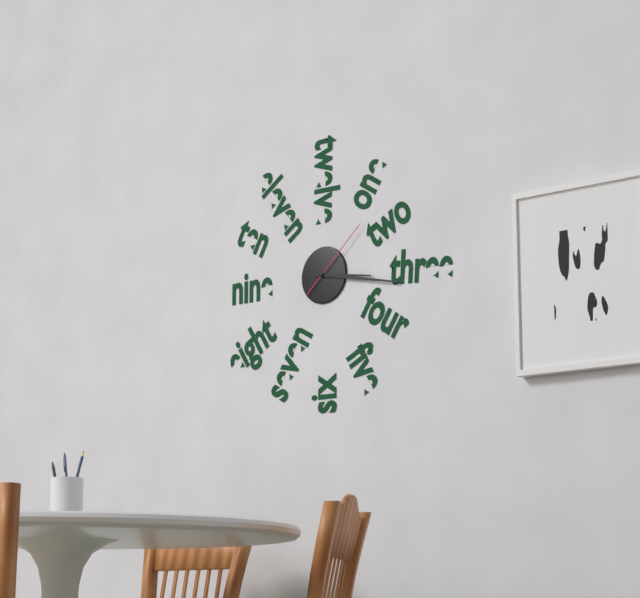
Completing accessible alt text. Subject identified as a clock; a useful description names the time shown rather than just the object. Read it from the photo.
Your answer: 3:17:08
